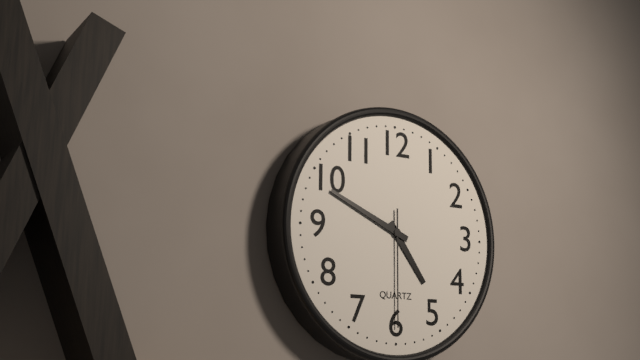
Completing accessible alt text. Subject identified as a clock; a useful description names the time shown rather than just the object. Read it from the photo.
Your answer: 4:49:30
